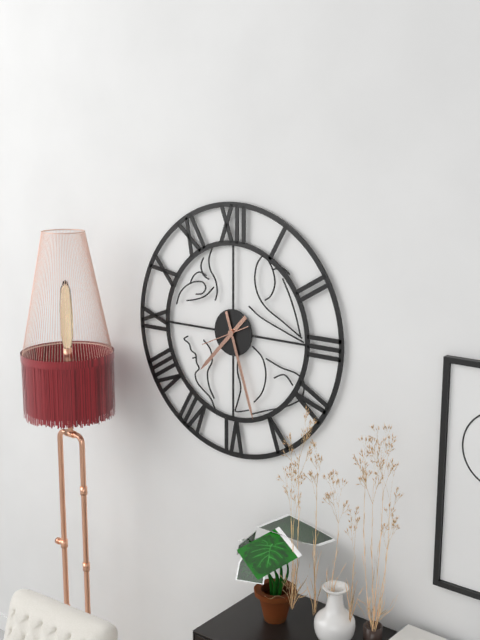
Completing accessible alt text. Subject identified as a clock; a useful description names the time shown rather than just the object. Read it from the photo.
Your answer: 7:27
